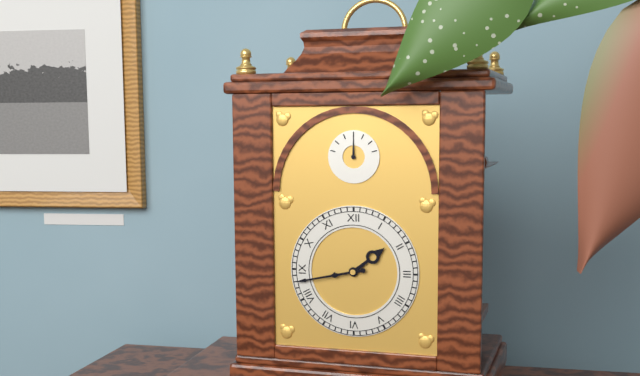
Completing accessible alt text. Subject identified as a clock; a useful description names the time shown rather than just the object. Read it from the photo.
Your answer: 1:43
